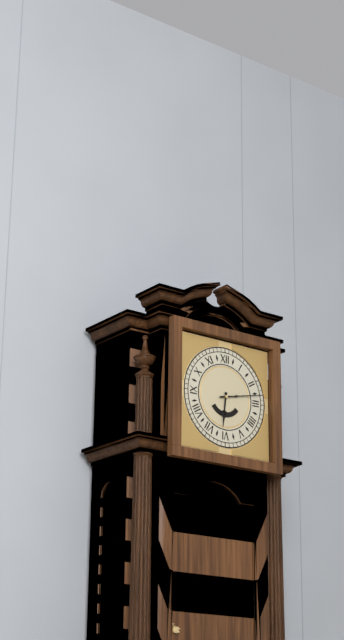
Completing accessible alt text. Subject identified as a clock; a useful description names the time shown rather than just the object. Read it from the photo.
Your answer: 6:13
